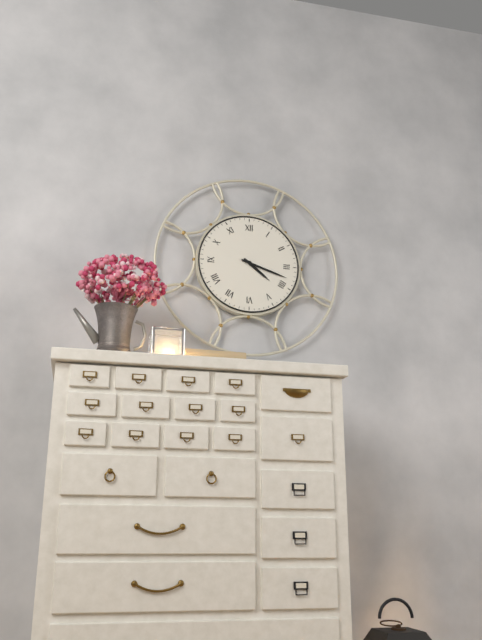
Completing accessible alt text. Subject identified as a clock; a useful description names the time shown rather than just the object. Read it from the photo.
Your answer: 4:18
